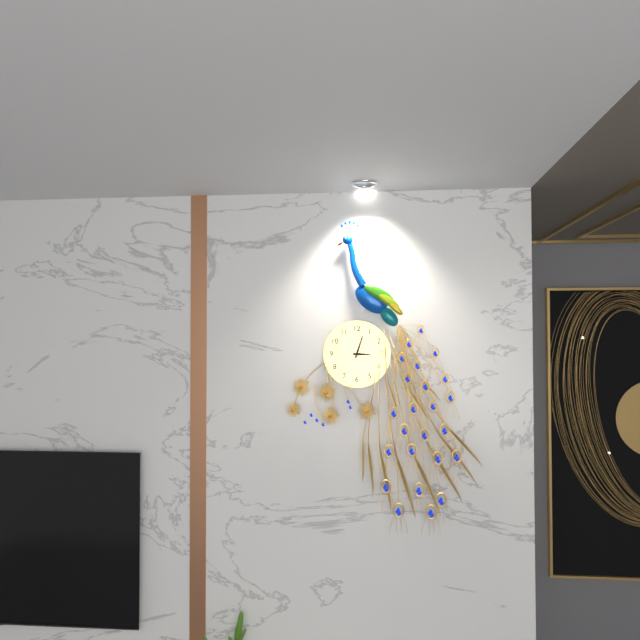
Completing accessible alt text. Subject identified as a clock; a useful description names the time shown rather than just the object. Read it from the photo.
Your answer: 3:03
